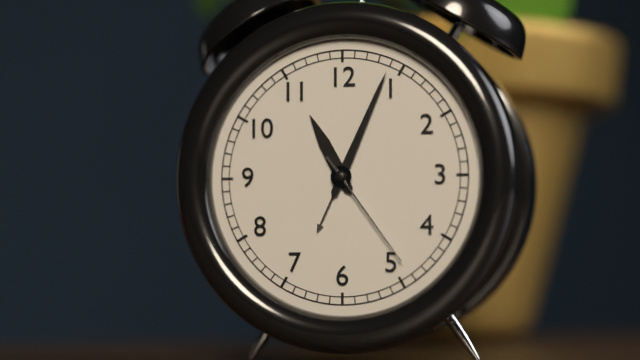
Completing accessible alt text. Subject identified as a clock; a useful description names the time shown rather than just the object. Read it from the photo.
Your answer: 11:04:24
